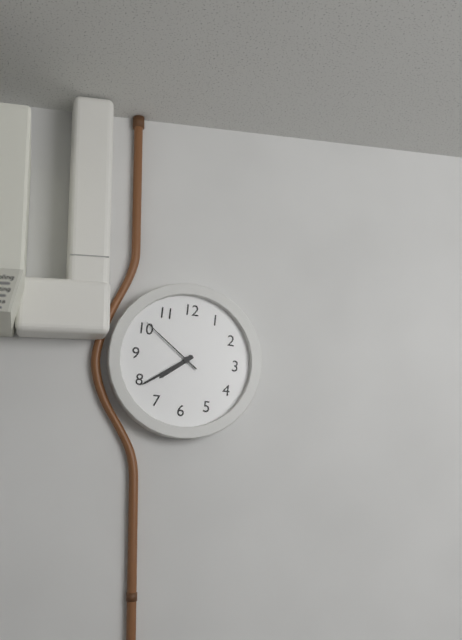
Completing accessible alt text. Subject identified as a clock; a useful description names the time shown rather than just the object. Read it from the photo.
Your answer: 7:39:51
